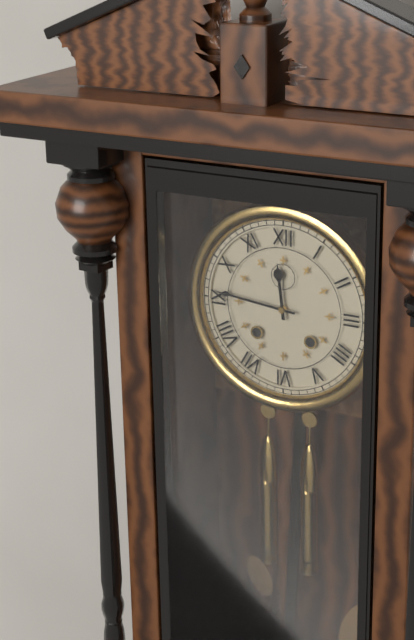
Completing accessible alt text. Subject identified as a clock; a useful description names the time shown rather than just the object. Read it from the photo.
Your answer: 11:46
